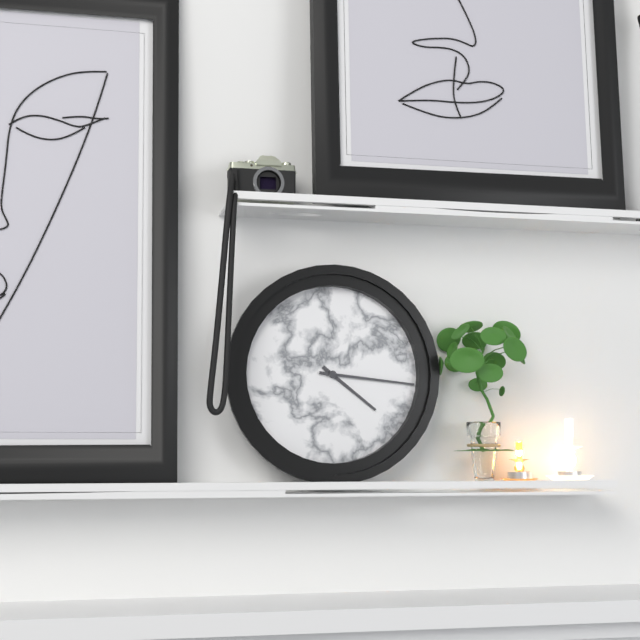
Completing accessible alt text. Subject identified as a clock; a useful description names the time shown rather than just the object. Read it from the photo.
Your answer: 4:16
